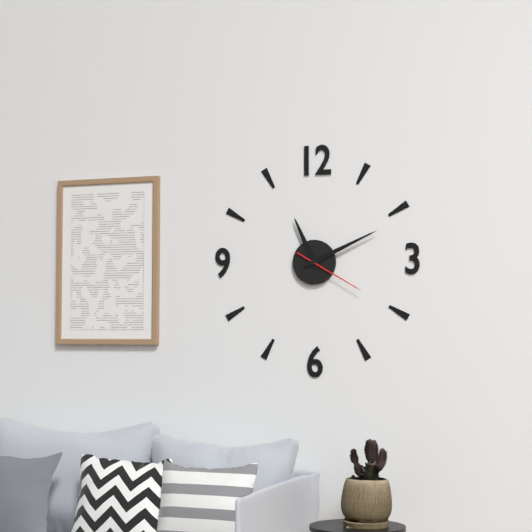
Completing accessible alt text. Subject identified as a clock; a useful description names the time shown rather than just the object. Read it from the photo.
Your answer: 11:11:20
